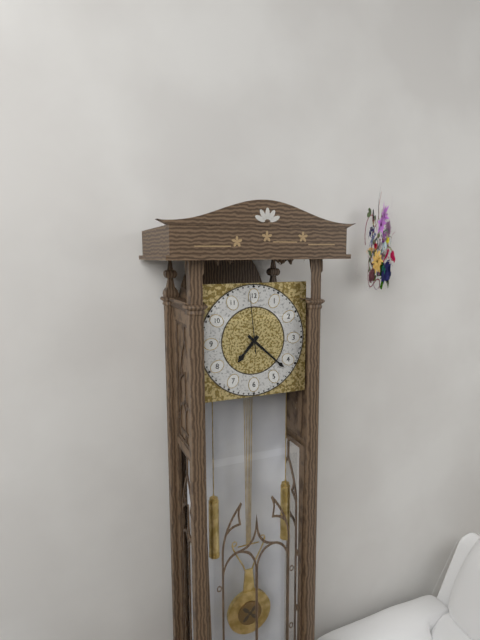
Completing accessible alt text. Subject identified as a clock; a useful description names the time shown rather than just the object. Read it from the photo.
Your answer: 7:22:59
